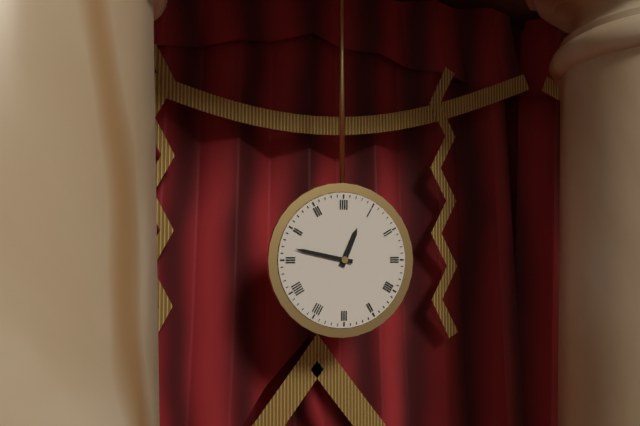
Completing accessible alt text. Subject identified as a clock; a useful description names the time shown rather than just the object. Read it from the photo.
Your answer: 12:47
